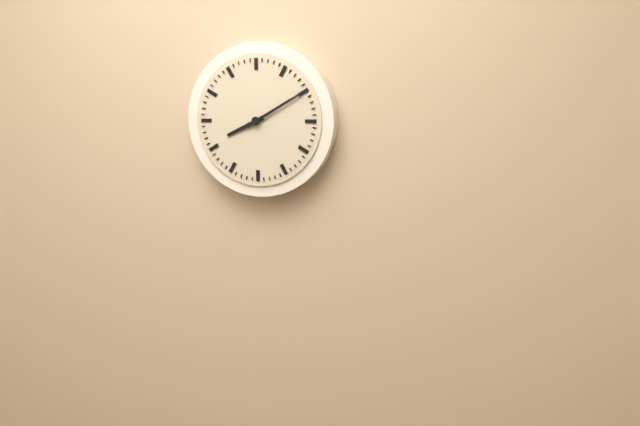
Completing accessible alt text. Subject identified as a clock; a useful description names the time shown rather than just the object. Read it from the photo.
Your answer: 8:10
